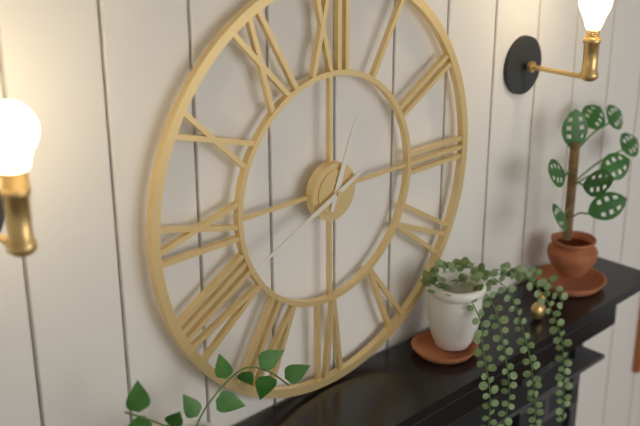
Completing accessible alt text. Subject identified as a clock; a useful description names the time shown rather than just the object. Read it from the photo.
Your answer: 12:41
